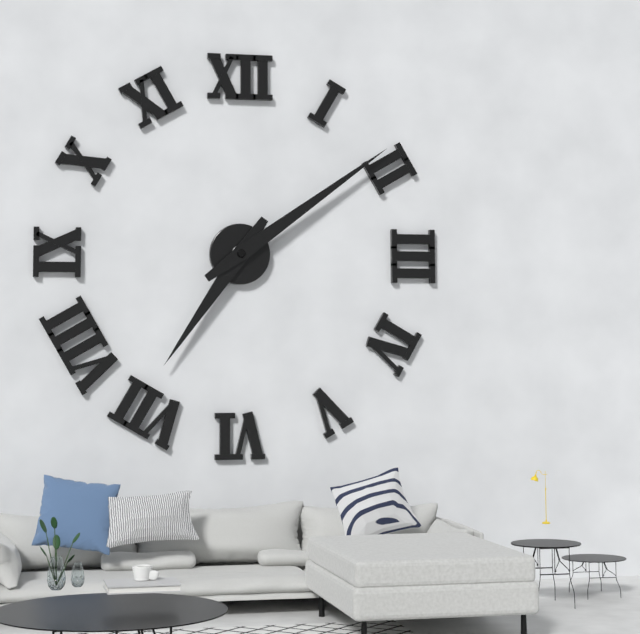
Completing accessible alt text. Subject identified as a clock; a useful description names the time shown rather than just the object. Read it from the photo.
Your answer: 7:09
